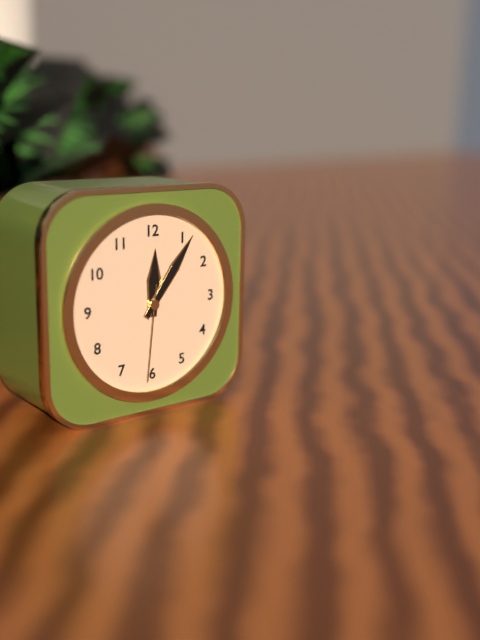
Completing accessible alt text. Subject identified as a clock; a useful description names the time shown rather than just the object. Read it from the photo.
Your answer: 12:06:31
